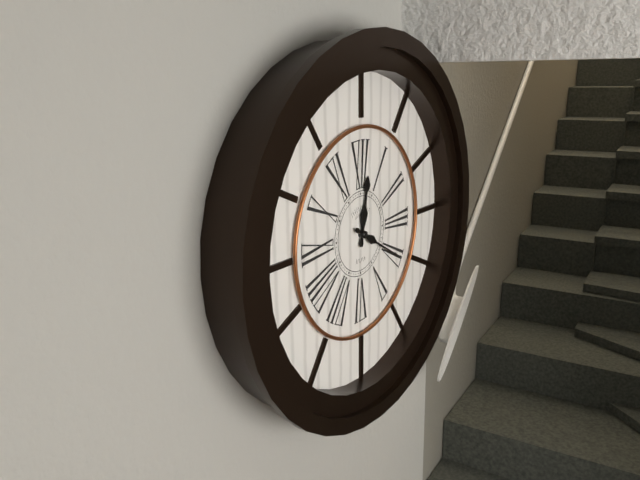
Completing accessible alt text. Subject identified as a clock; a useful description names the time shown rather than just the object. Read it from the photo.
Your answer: 12:20
